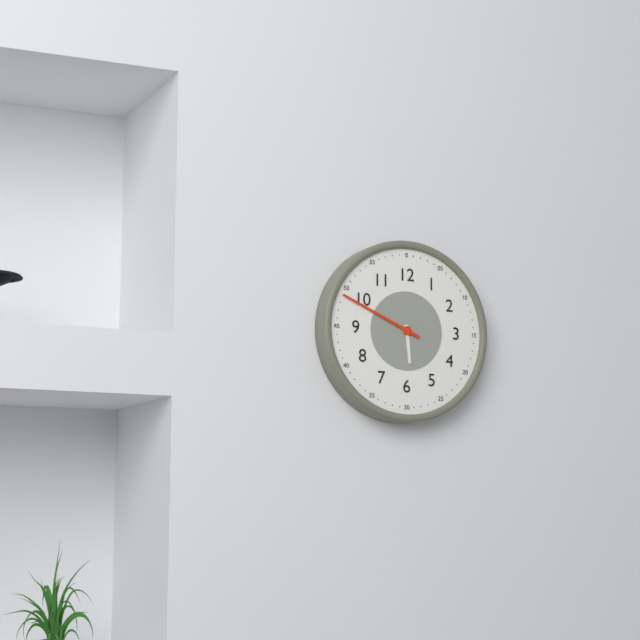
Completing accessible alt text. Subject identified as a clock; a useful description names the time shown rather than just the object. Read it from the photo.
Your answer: 5:49
